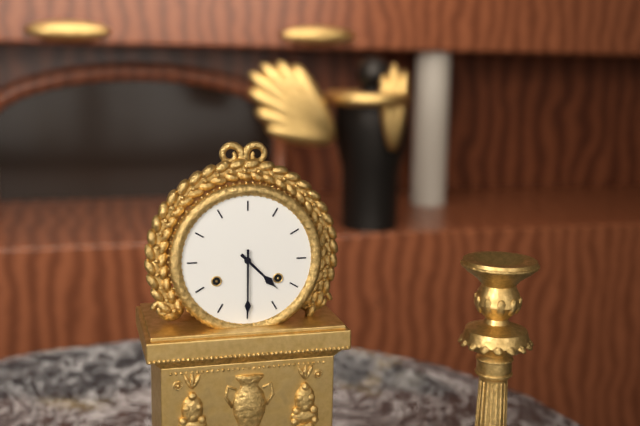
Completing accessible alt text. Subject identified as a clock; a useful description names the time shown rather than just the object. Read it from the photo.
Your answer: 4:30
